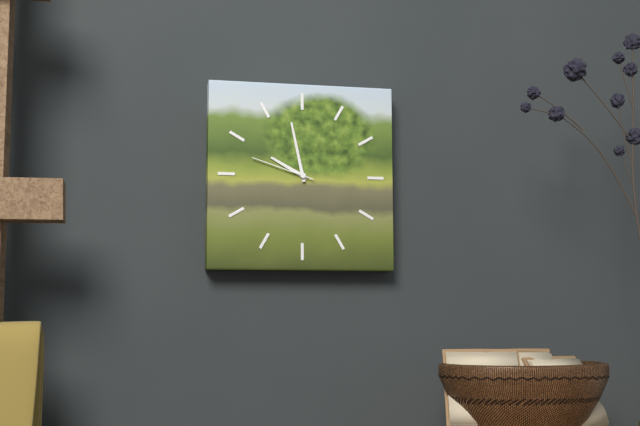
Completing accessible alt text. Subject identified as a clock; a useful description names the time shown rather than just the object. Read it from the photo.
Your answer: 9:58:48
